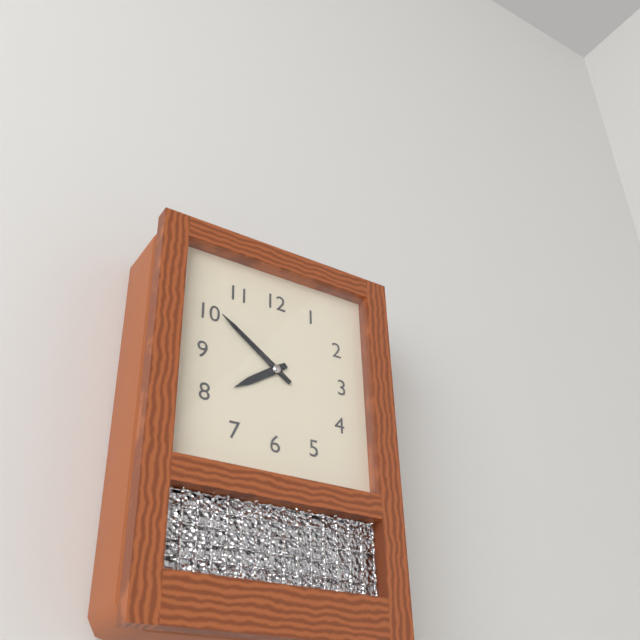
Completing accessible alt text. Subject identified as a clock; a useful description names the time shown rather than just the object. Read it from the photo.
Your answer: 7:51
